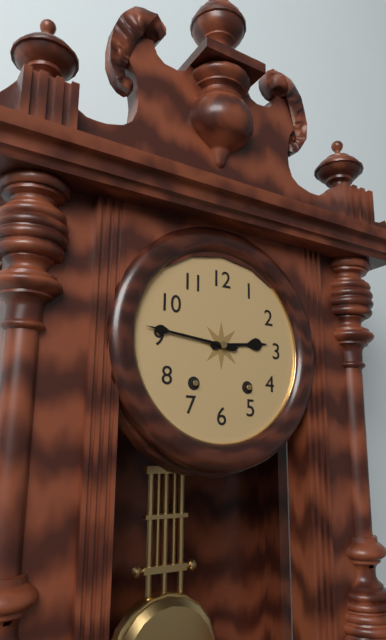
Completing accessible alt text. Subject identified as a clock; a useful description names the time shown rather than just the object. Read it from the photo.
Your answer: 2:46
